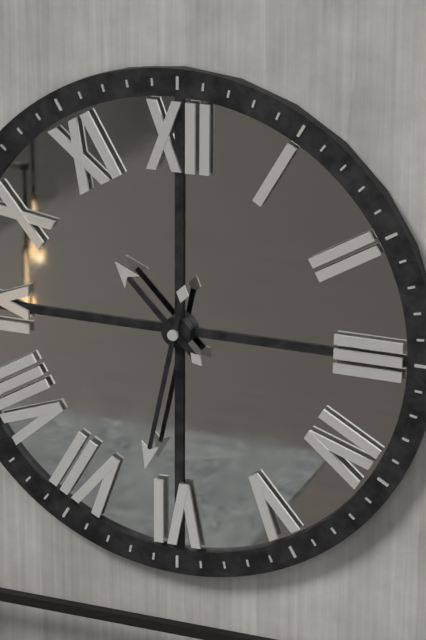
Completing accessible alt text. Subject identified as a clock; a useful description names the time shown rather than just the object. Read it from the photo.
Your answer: 10:32
